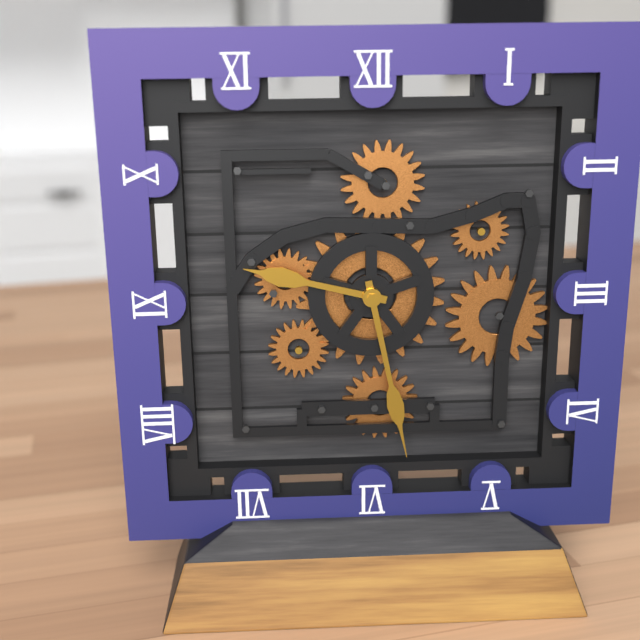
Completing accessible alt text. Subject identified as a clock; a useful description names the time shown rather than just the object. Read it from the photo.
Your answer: 9:28
